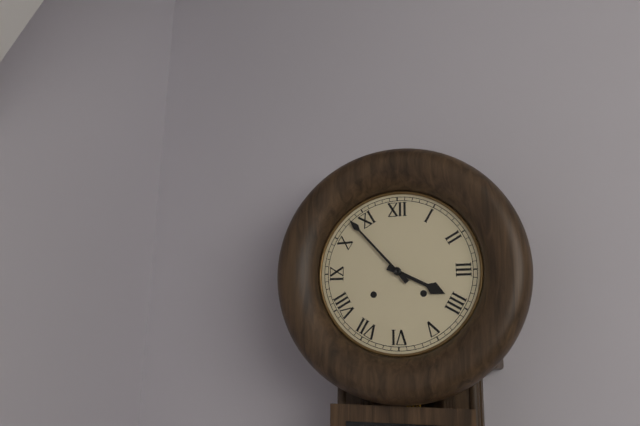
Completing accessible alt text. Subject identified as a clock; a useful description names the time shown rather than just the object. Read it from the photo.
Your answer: 3:53
